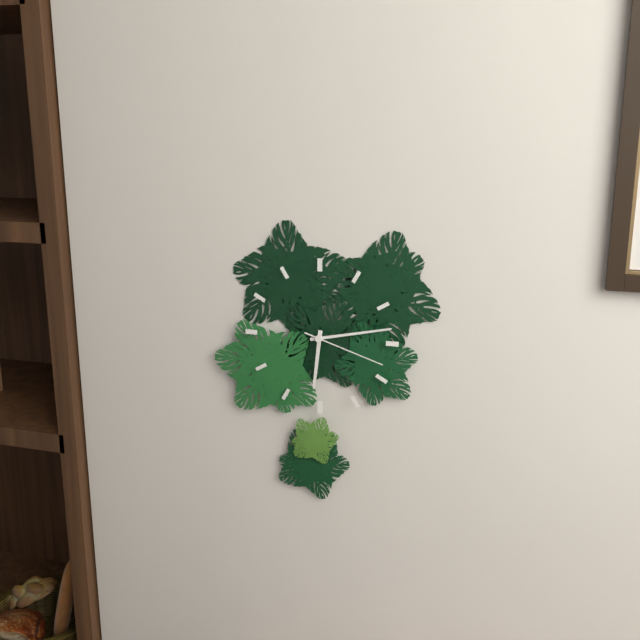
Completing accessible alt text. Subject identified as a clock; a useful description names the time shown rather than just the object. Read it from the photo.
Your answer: 6:13:18
